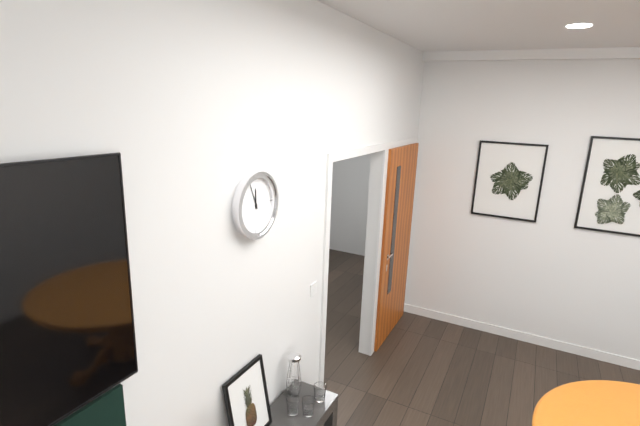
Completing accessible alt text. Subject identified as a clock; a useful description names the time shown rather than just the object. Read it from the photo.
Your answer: 11:56
